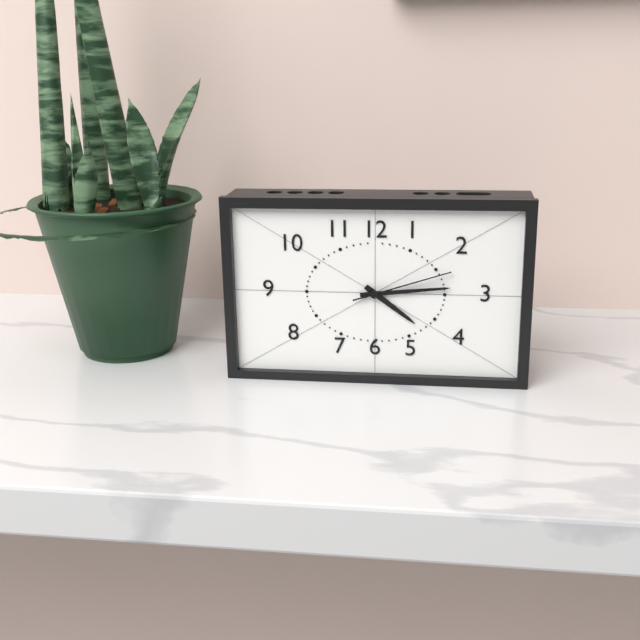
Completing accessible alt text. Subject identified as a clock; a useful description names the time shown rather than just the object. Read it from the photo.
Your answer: 4:14:12
